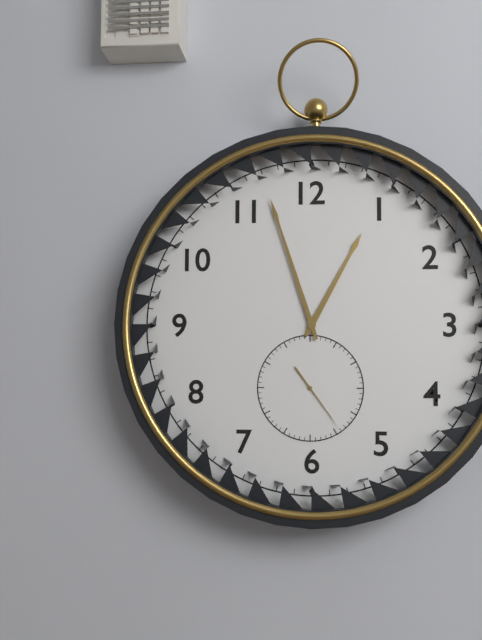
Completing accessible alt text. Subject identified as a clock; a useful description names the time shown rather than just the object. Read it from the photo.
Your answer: 12:57:24
